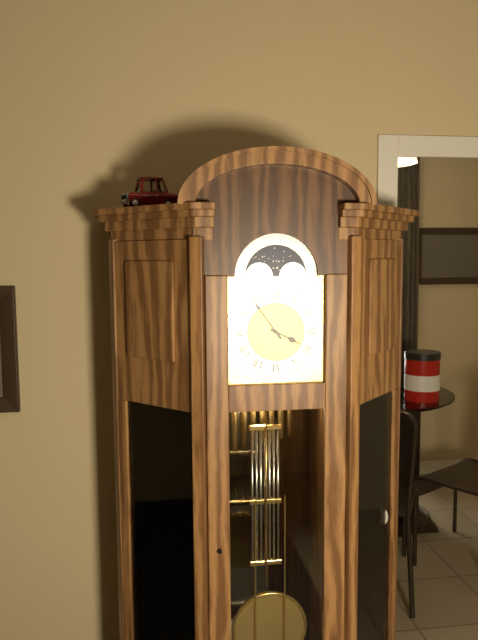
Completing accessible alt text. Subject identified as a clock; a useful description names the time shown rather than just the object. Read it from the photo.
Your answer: 3:54
